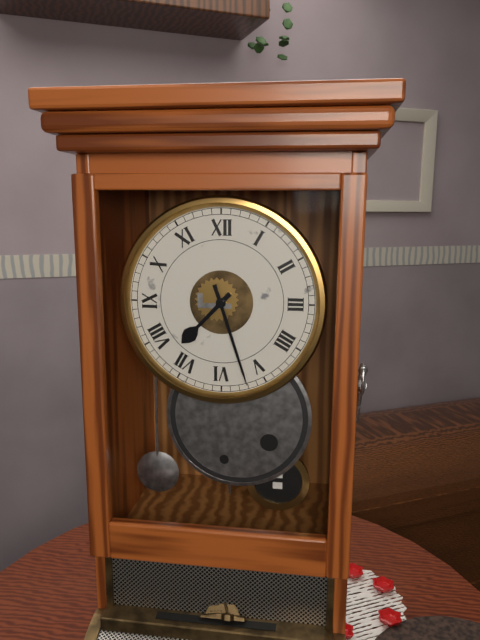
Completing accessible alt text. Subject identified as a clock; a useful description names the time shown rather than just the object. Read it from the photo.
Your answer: 7:27
